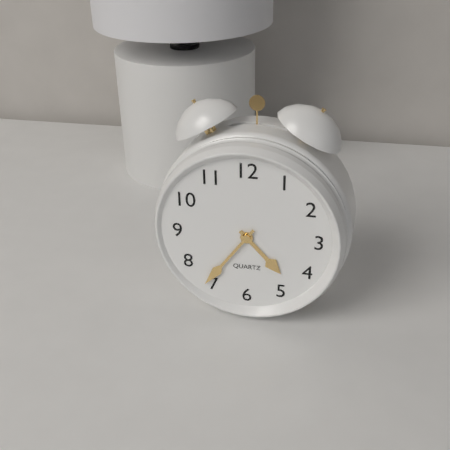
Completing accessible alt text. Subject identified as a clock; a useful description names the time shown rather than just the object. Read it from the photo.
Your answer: 4:36
